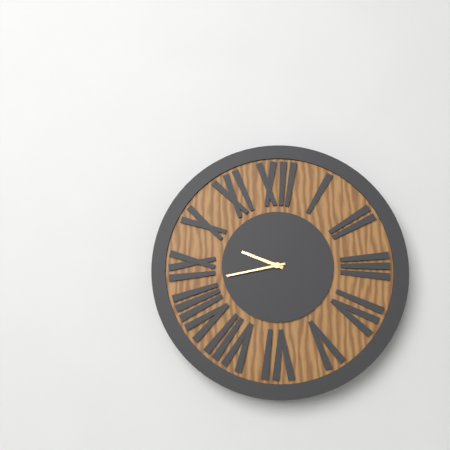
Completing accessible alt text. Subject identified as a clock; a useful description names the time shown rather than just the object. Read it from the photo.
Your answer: 9:43
